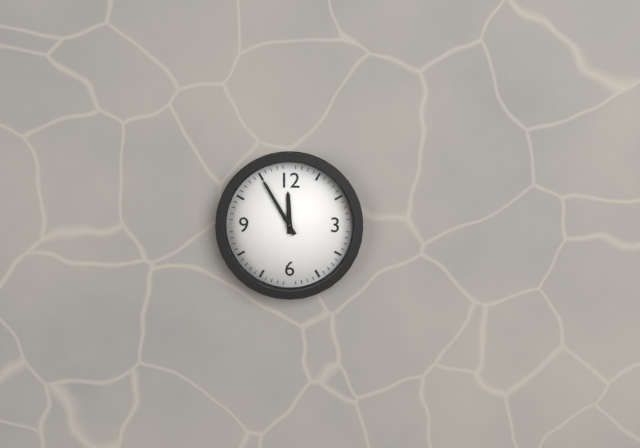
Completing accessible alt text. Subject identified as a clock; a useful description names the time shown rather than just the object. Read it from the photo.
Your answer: 11:55
